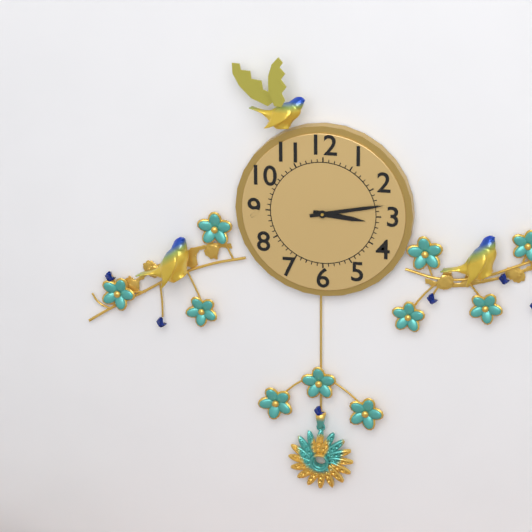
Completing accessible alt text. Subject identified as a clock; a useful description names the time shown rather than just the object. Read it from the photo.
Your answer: 3:13
